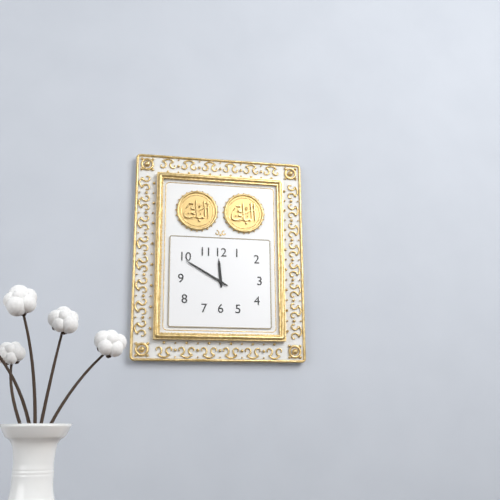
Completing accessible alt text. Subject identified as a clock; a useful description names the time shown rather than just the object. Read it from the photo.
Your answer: 11:50
